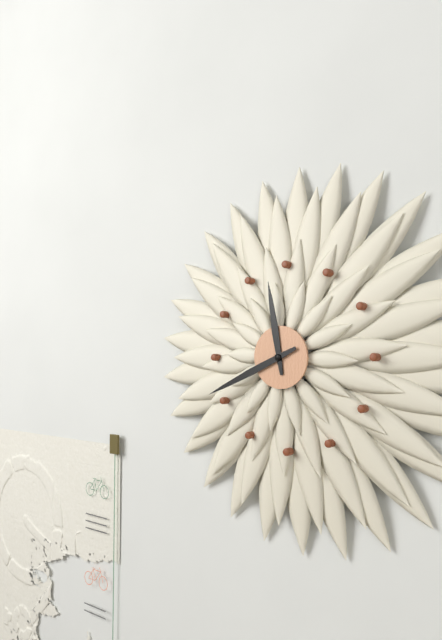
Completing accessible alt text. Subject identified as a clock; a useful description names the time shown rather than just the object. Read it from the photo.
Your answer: 11:41
